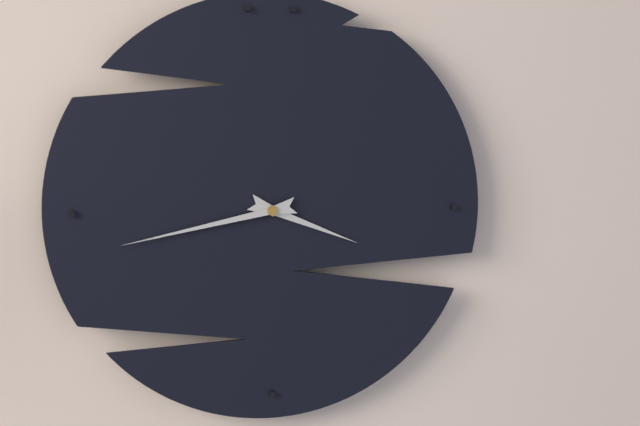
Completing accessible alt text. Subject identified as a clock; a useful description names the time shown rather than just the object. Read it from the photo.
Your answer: 3:43
